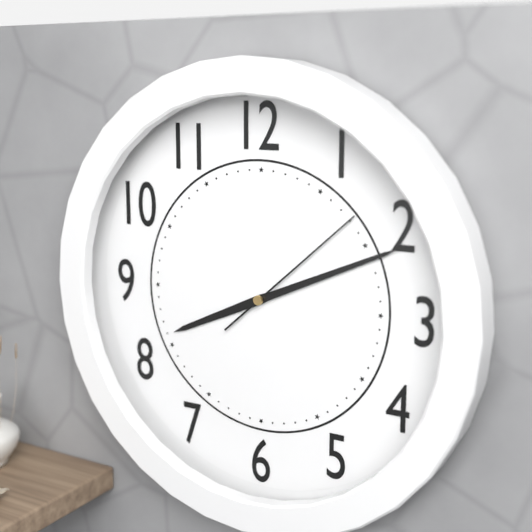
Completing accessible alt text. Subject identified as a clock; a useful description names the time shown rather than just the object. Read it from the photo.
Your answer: 8:11:08
